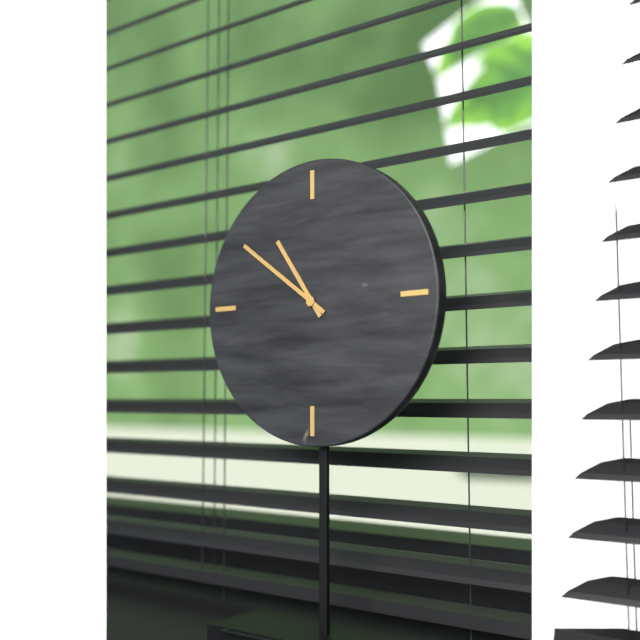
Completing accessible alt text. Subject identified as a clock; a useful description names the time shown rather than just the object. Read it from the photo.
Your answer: 10:51
